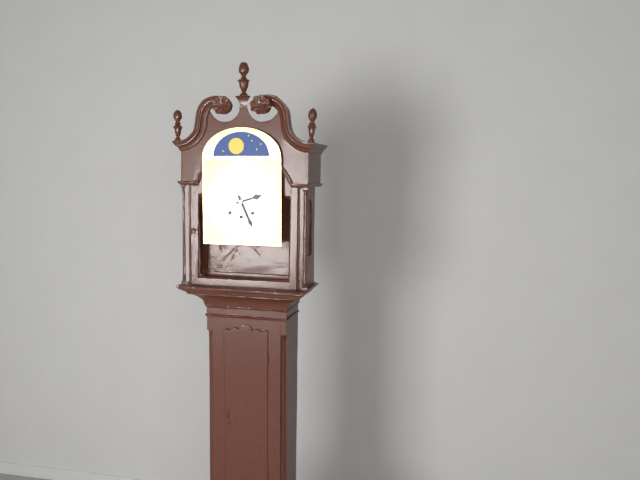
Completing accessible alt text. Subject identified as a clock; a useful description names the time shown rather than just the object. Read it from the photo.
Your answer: 2:26
